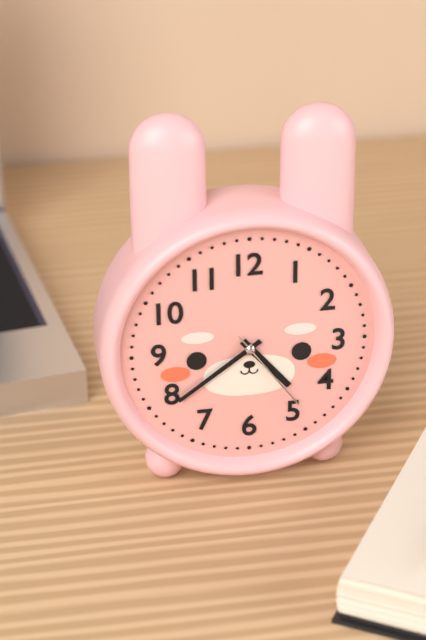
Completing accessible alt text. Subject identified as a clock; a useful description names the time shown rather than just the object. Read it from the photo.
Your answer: 4:39:24
